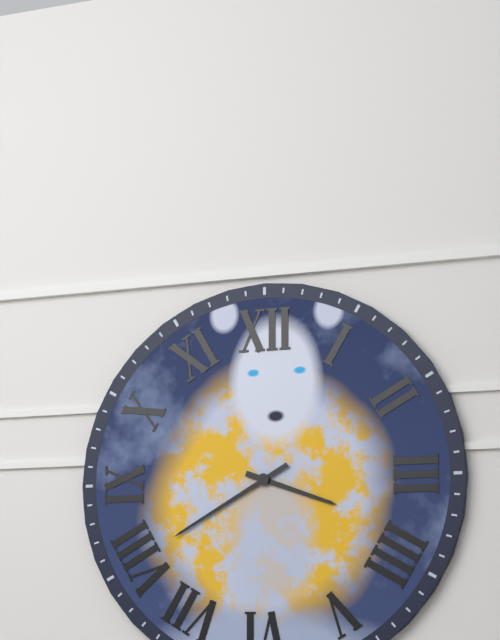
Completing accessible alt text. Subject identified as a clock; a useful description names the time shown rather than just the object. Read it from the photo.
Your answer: 3:40
